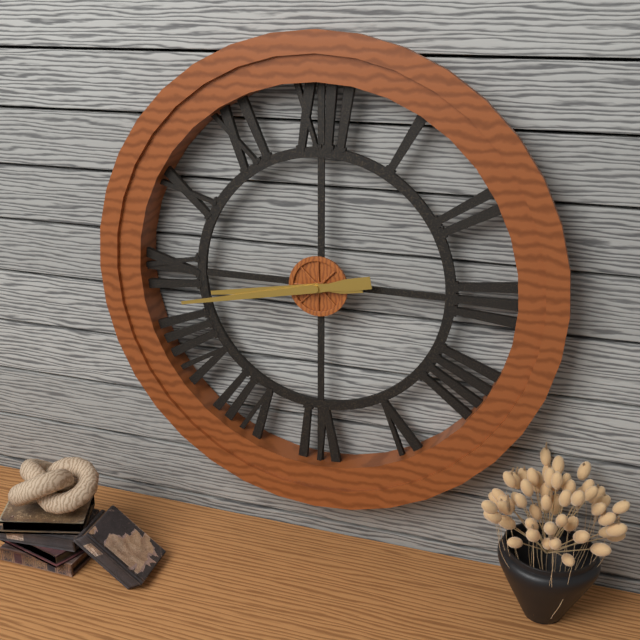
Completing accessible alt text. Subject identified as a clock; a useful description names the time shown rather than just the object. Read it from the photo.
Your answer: 8:43
